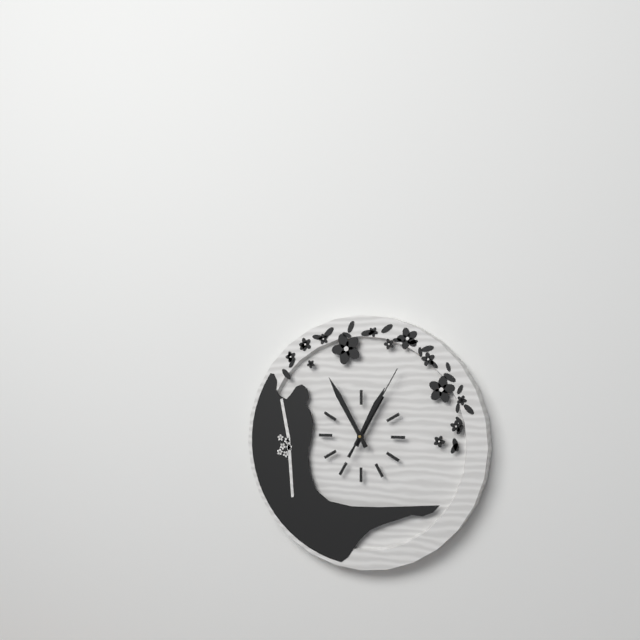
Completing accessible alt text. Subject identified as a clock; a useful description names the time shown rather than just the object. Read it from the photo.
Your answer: 12:55:05
